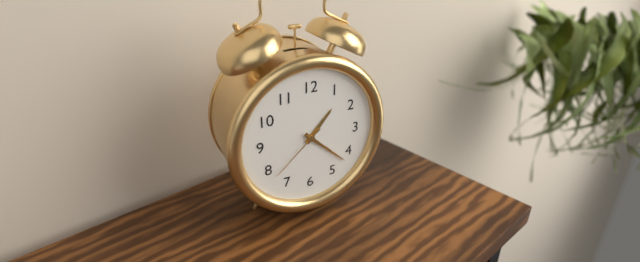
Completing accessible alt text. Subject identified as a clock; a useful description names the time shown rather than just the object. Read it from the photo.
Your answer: 1:22:38
